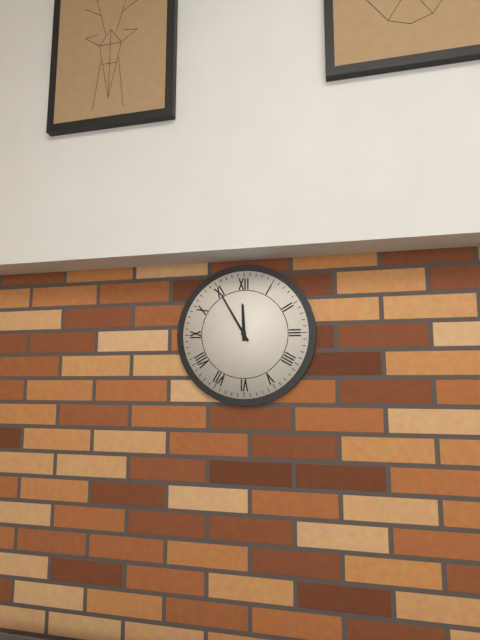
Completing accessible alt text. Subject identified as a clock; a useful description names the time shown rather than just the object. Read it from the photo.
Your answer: 11:55
